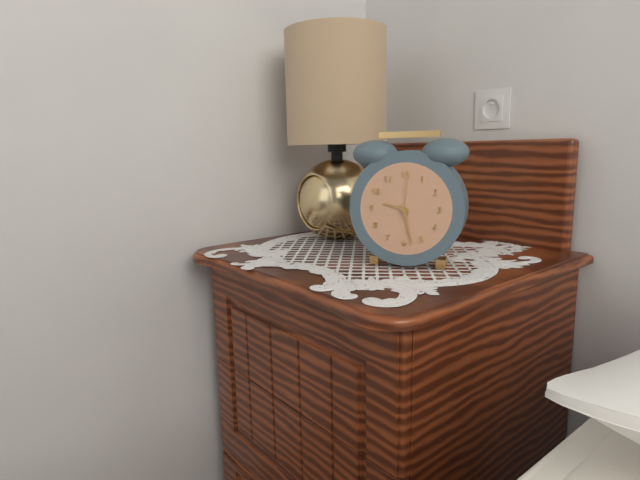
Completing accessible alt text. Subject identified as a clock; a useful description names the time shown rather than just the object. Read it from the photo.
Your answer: 9:28:01
